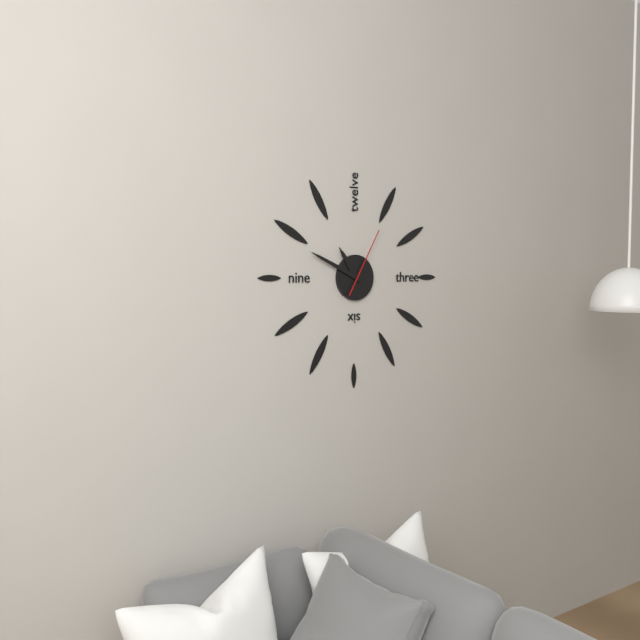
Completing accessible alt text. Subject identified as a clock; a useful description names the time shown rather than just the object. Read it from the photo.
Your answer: 10:49:05
